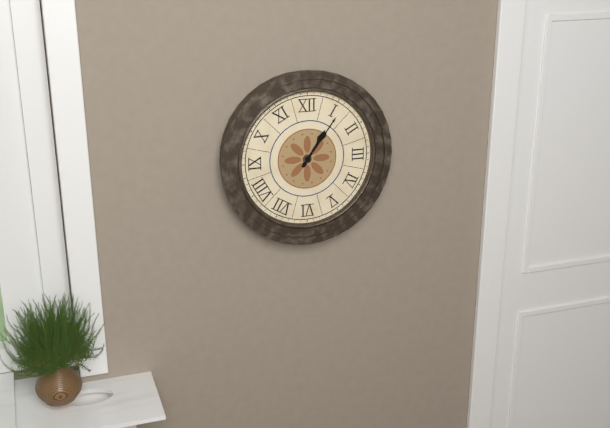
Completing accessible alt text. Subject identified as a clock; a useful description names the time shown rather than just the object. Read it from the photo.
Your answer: 1:06
